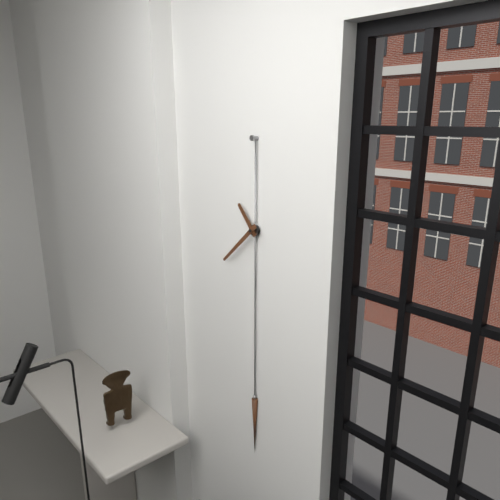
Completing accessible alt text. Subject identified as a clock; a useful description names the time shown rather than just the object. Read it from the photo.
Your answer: 10:38
